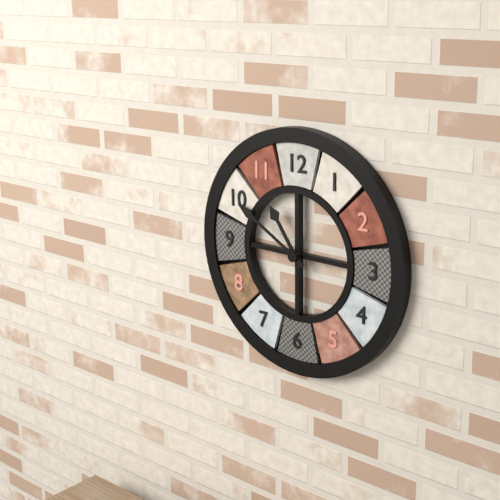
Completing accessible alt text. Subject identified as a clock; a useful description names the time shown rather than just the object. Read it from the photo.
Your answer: 10:50
